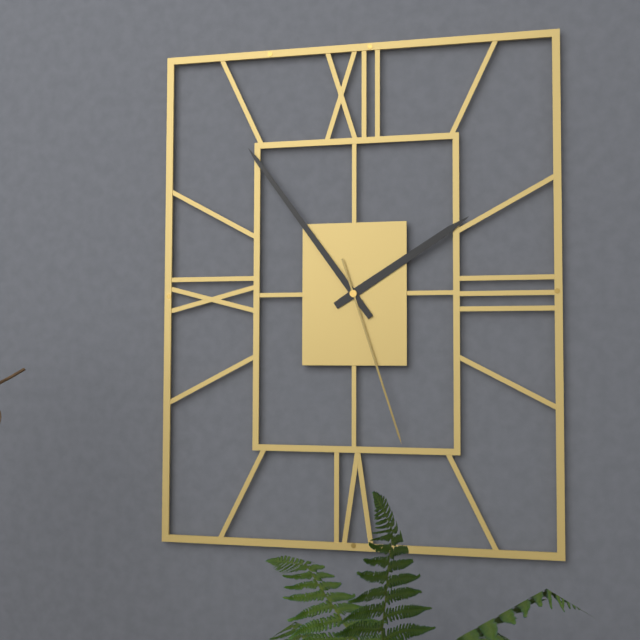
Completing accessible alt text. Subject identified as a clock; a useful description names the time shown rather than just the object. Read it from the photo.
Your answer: 1:54:27
